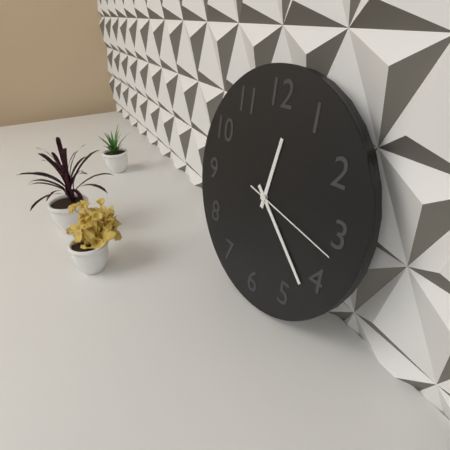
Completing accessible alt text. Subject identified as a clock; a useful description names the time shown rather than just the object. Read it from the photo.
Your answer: 12:22:17
